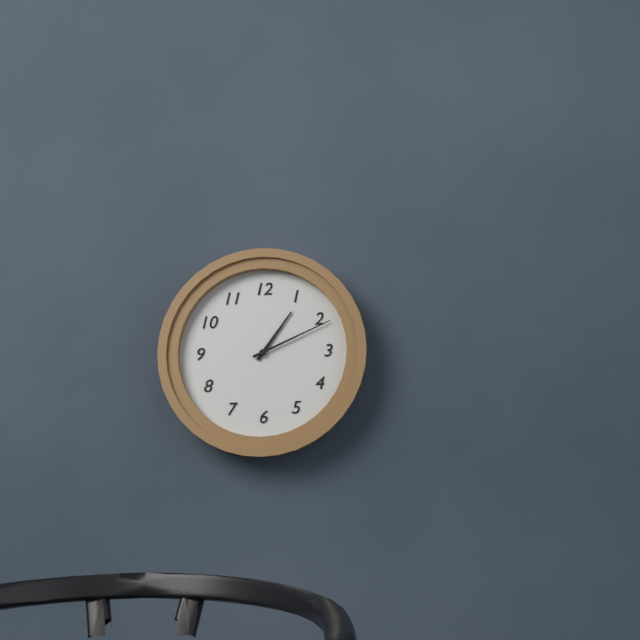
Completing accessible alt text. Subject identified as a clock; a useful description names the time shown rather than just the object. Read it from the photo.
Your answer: 1:11
